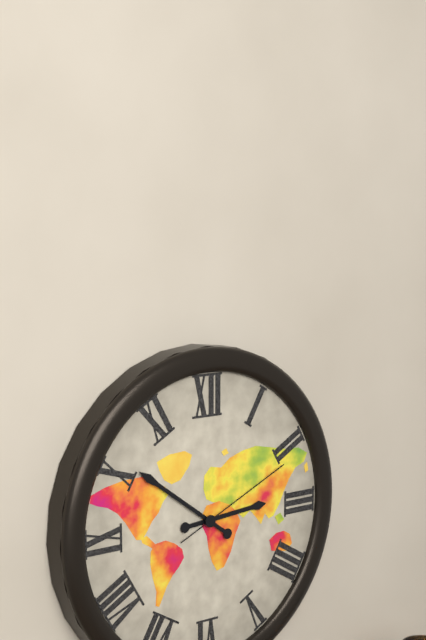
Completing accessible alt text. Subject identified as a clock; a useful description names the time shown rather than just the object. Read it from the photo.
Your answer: 2:51:11
